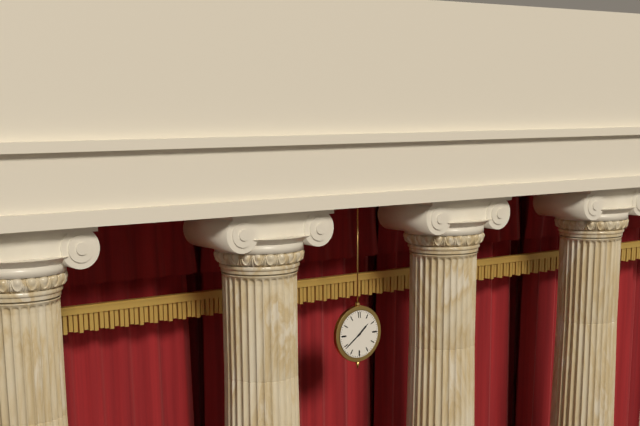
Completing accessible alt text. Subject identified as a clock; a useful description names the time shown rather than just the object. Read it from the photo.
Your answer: 1:39
